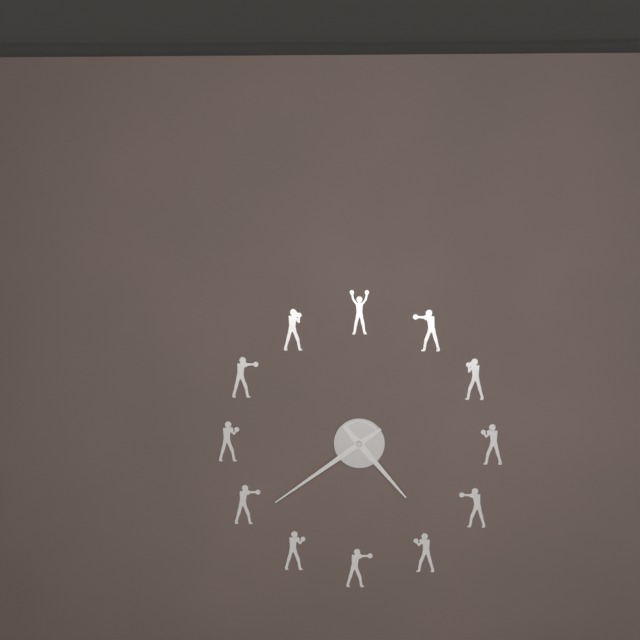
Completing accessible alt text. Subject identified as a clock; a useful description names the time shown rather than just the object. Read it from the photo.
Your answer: 4:39
